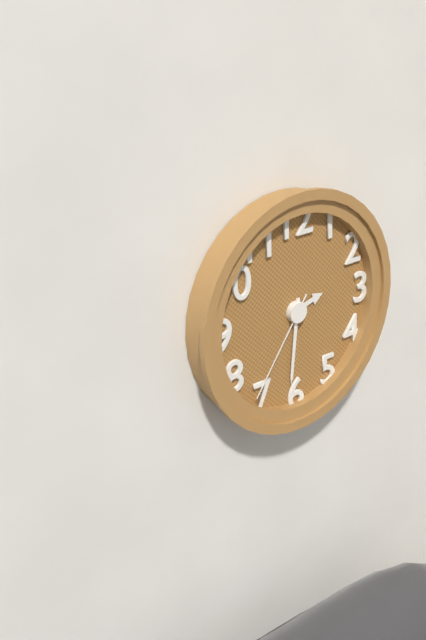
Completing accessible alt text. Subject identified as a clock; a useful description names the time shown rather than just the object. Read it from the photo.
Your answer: 2:31:36
